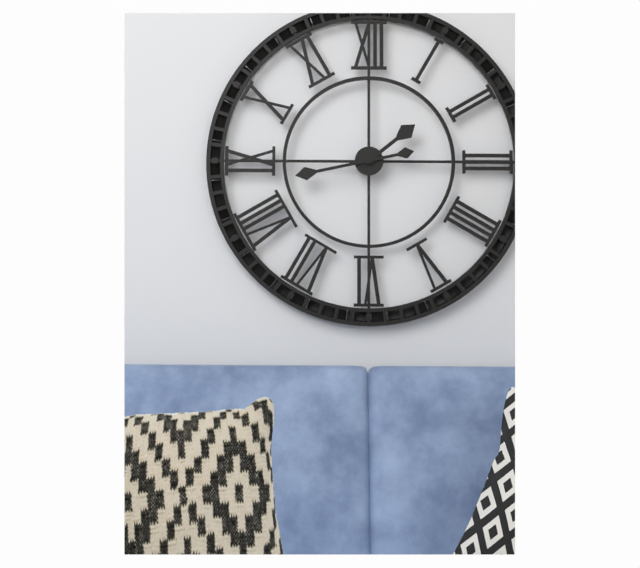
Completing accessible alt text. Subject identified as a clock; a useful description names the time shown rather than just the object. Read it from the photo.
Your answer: 1:43
